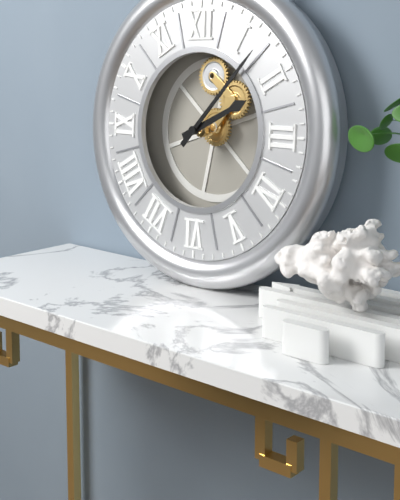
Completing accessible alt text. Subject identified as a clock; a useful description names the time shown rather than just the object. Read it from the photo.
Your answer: 2:07
